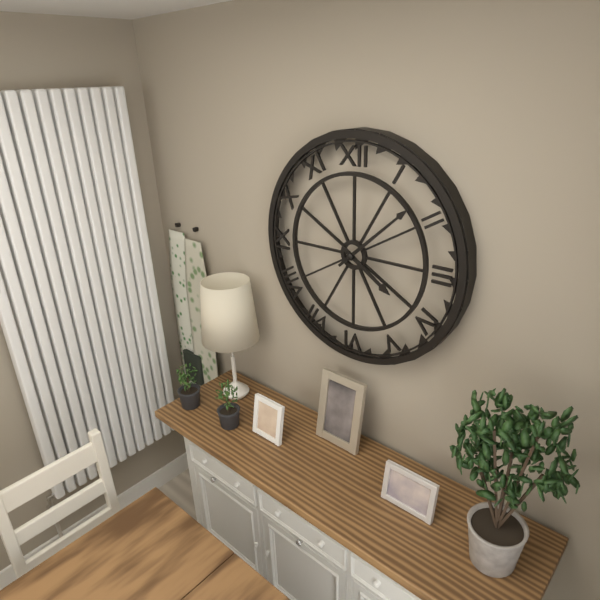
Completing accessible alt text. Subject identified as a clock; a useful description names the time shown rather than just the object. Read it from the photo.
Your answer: 4:08
